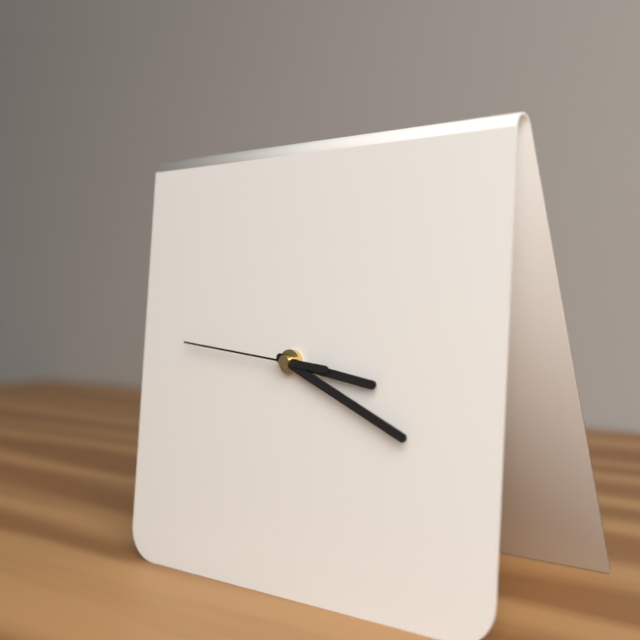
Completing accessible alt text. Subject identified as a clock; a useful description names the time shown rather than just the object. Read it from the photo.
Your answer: 3:19:46
